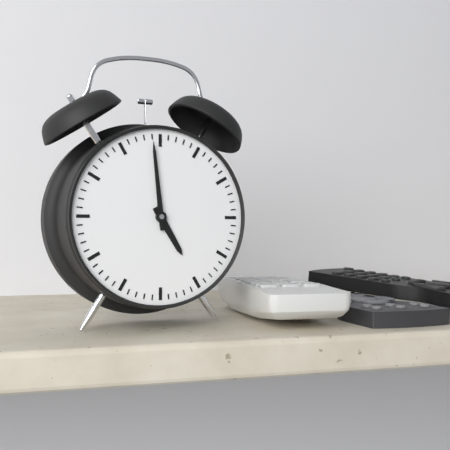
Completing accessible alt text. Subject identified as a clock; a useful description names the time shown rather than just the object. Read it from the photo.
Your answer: 4:59
